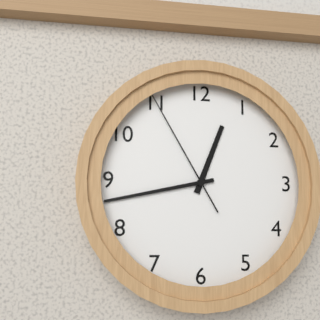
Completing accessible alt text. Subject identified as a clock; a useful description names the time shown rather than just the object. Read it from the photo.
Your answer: 12:43:55
